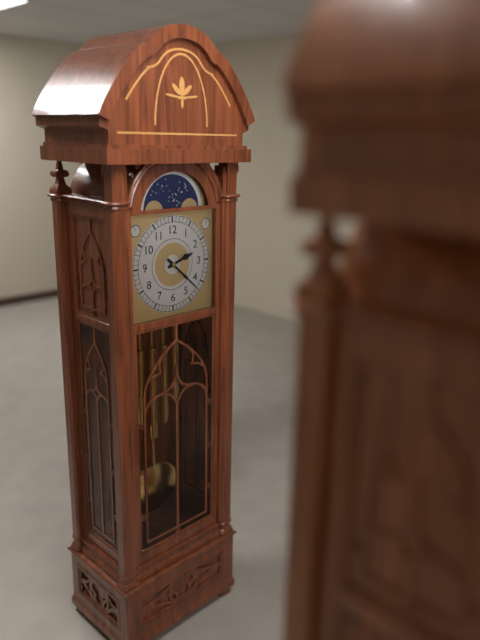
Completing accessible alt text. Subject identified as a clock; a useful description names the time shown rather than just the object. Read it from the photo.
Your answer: 2:22
